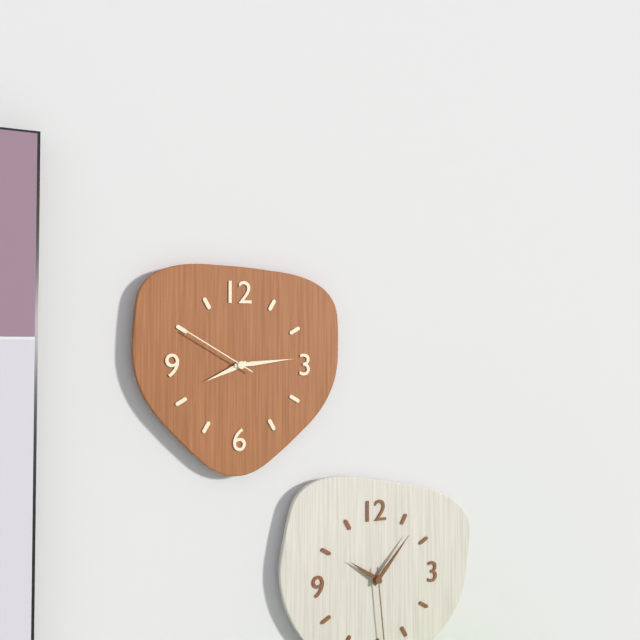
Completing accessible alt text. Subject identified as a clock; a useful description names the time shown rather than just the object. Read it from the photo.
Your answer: 8:14:50
